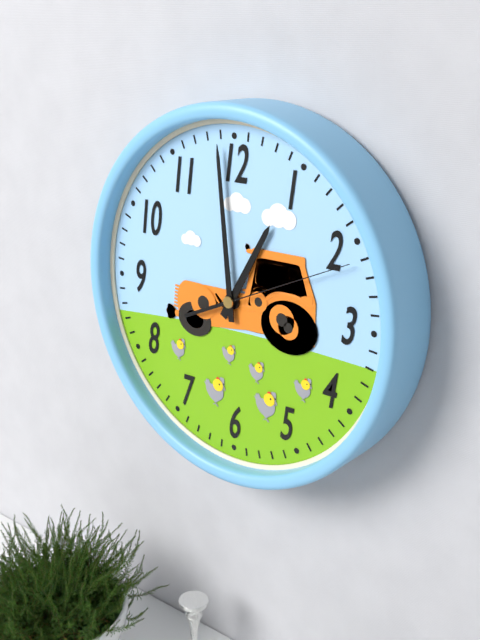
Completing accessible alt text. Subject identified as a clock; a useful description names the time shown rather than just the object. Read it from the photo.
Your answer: 12:59:11
